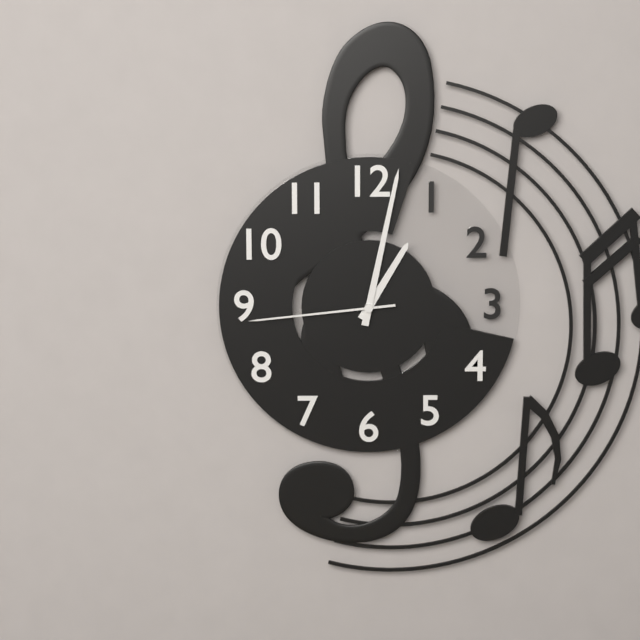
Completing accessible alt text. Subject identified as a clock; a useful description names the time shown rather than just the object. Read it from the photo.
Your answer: 1:02:44
